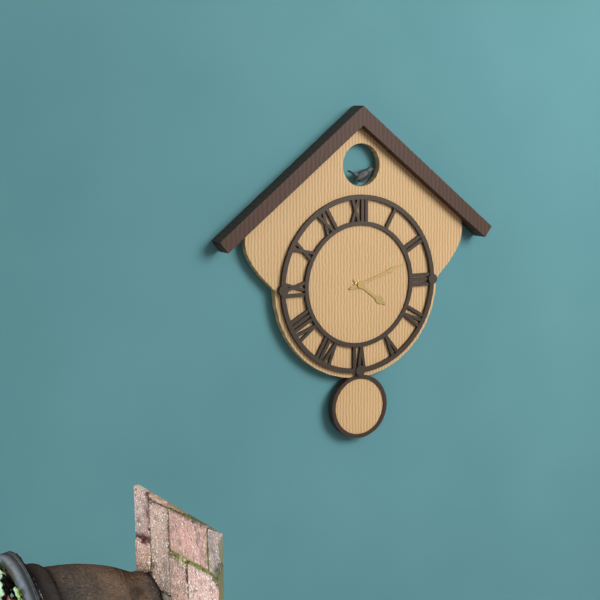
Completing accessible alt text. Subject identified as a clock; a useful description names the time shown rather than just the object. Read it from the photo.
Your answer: 4:12
